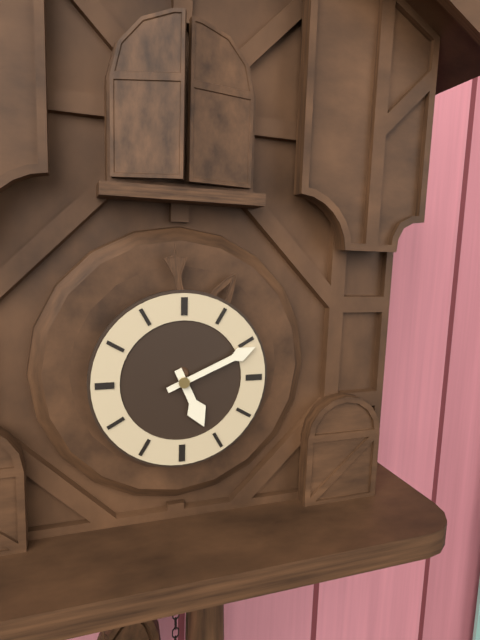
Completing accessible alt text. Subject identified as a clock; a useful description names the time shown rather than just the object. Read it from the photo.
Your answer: 5:11
